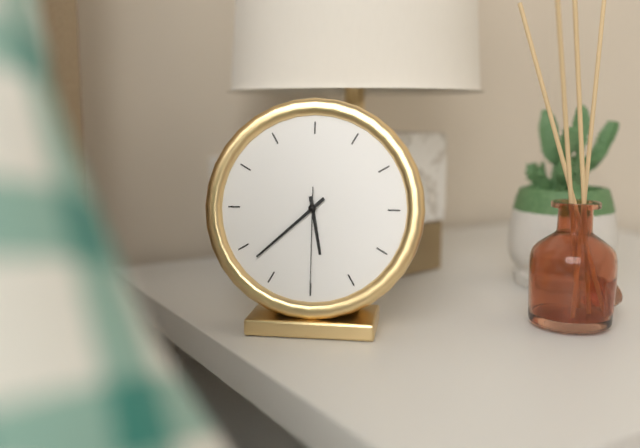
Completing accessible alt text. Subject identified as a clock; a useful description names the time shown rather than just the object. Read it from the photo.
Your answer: 5:38:30
